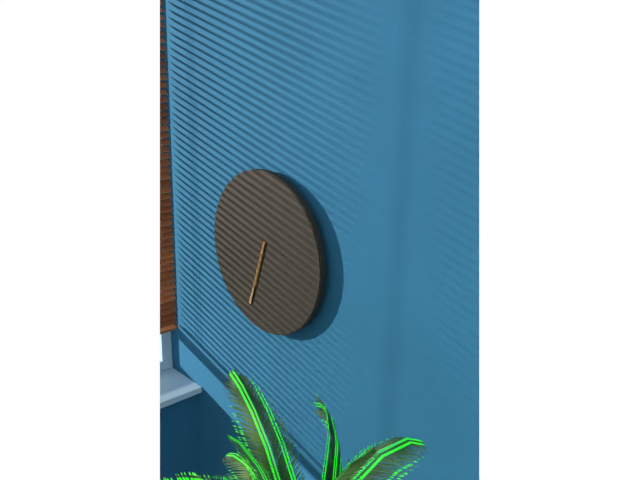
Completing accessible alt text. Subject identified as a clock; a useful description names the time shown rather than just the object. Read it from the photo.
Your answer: 6:33
